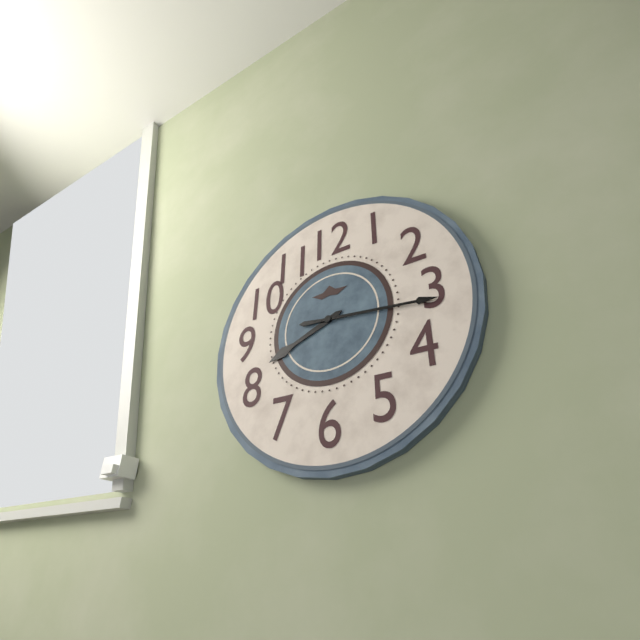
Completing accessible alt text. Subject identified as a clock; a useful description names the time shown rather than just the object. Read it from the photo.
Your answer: 8:16
